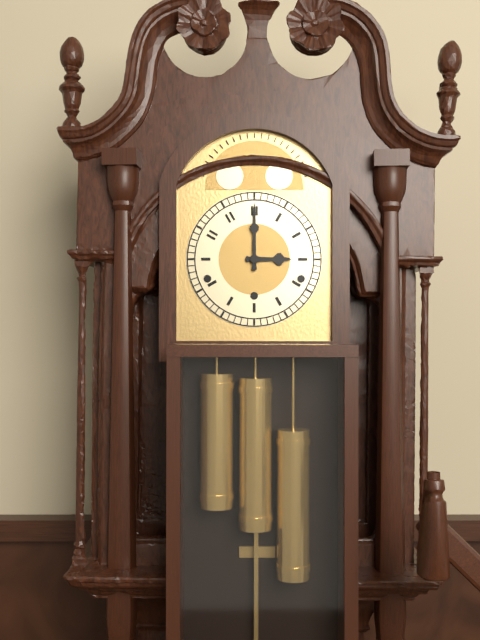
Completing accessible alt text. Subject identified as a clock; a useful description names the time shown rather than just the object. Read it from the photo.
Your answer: 3:00
